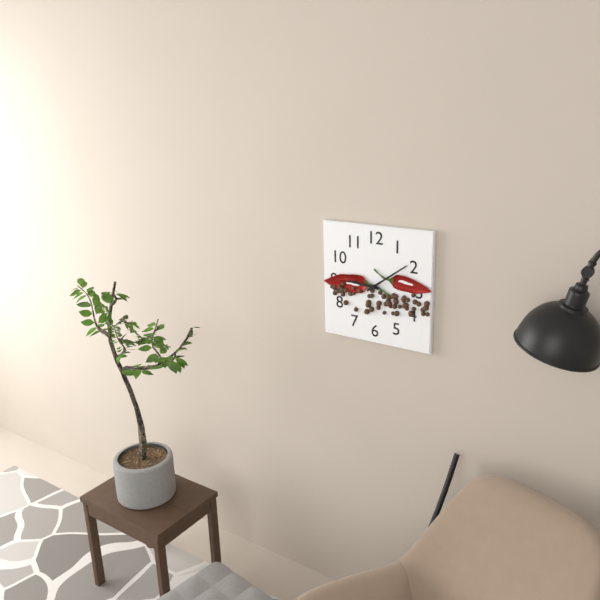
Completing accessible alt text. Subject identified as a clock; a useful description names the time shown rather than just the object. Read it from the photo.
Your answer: 9:09
